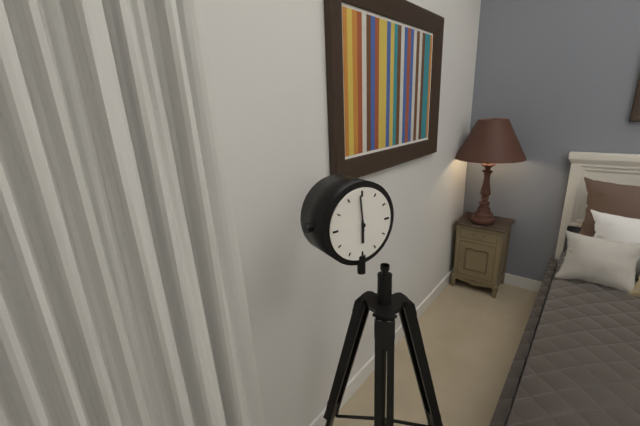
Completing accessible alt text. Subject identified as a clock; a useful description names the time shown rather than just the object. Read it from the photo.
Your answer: 5:59
